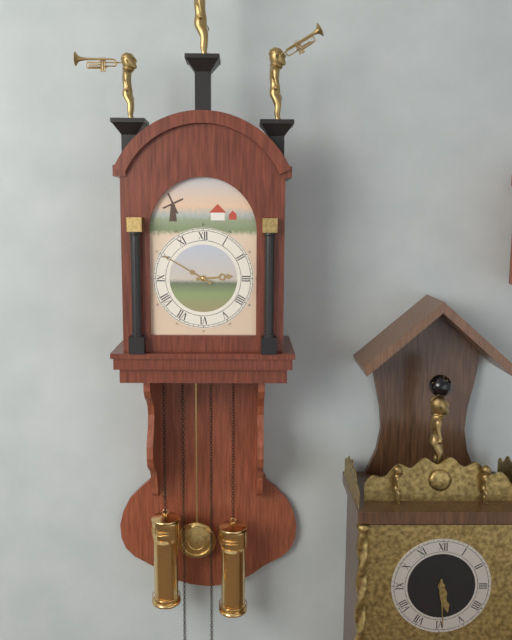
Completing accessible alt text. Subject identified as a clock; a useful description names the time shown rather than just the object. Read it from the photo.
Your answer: 2:50
